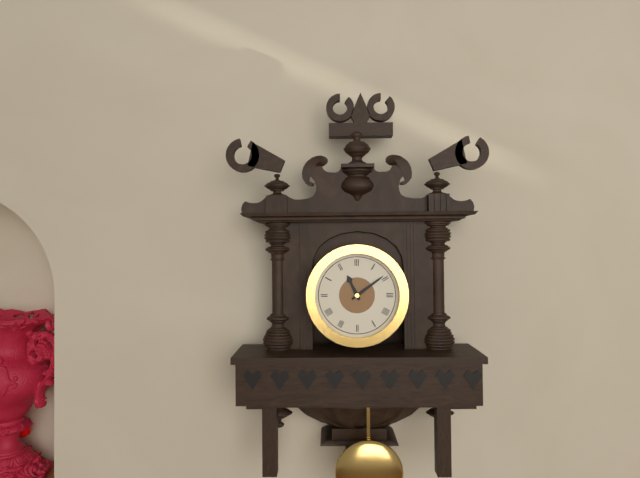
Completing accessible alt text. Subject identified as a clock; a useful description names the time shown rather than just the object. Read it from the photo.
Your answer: 11:09
